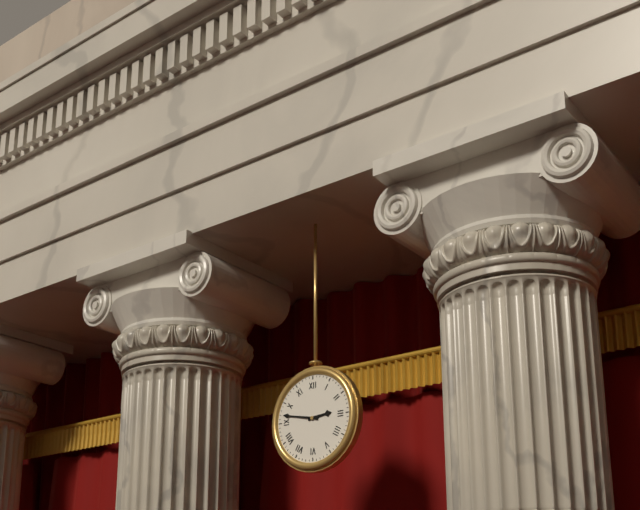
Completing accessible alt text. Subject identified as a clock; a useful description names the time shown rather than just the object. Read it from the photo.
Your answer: 2:47
